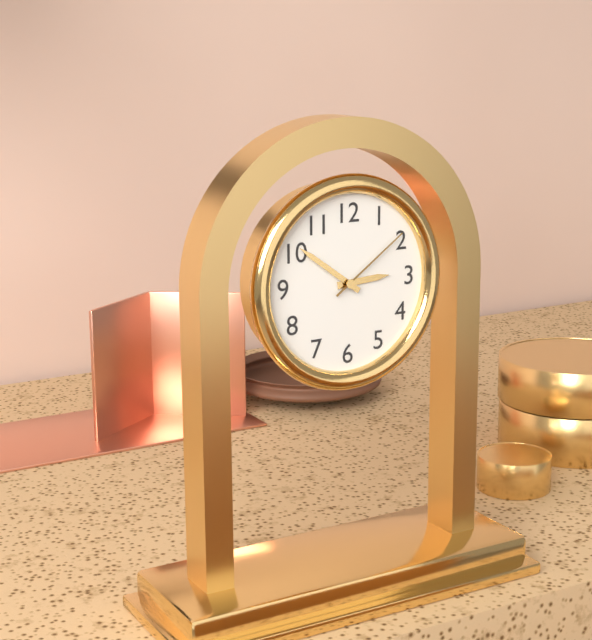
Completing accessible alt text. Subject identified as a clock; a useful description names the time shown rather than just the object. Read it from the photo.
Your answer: 2:51:09
